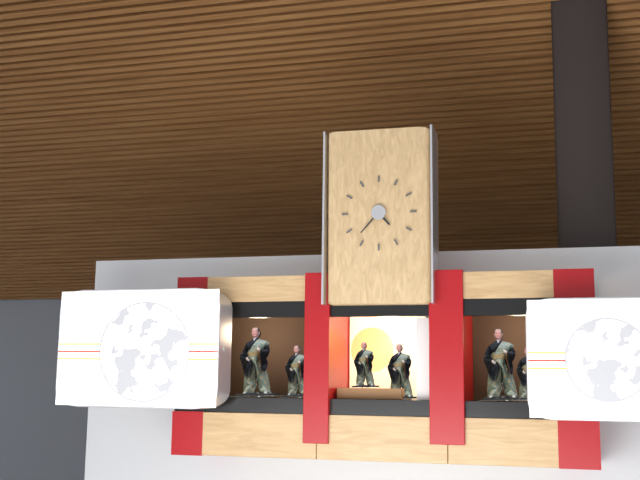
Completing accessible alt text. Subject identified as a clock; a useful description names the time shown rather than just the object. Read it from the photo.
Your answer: 4:37
